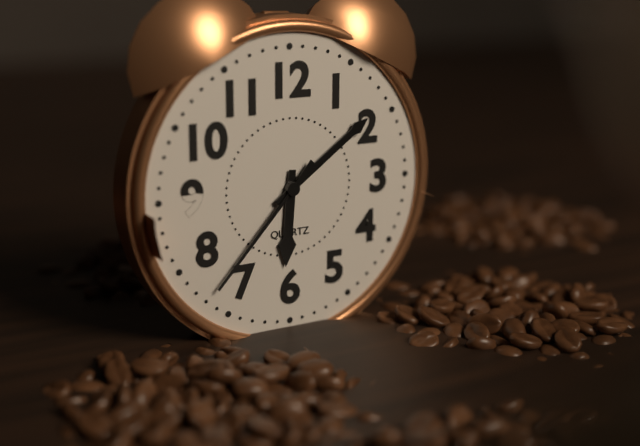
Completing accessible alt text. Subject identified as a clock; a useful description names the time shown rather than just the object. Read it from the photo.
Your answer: 6:09:37
